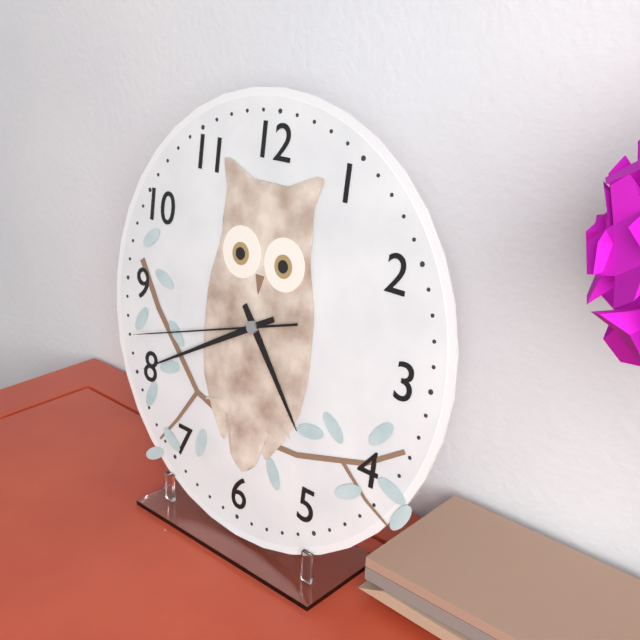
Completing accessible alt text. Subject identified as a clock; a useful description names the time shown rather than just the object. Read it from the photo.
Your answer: 4:40:42
